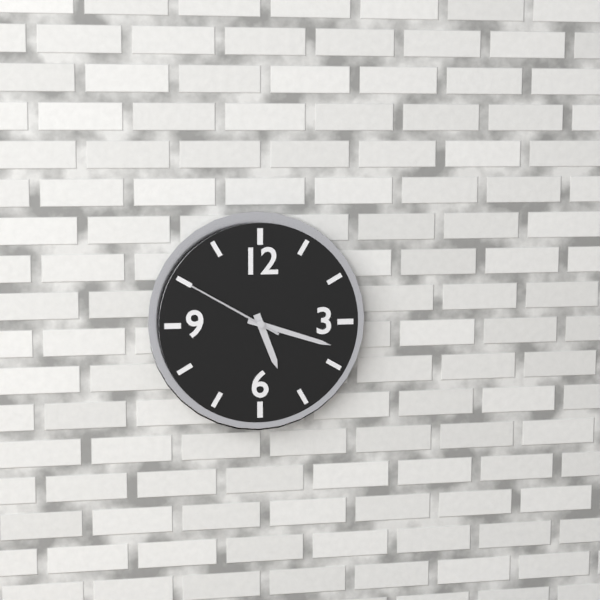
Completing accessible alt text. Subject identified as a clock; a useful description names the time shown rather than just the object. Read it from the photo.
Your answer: 5:18:50
